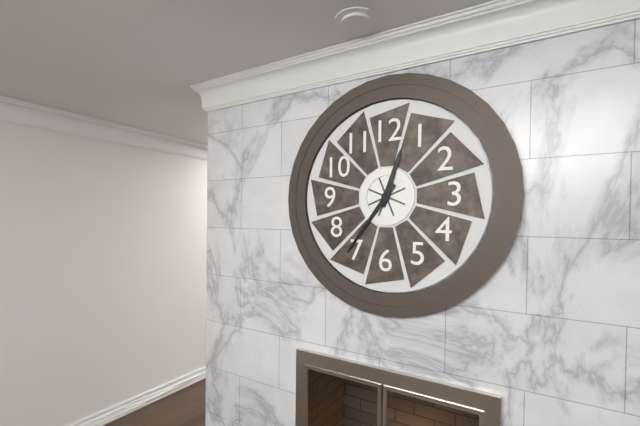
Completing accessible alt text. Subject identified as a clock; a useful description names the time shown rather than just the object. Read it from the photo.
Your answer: 12:36
